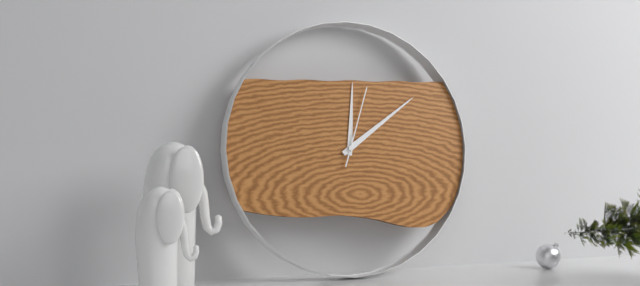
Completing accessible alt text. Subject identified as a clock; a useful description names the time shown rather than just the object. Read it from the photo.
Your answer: 12:09:03
